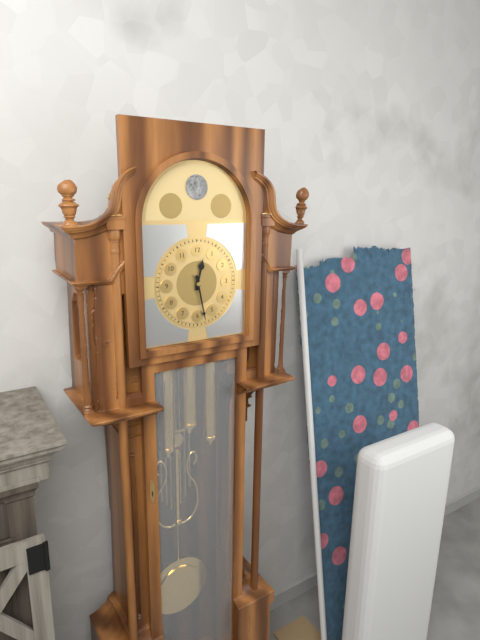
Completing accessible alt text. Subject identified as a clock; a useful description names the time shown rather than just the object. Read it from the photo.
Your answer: 12:28
